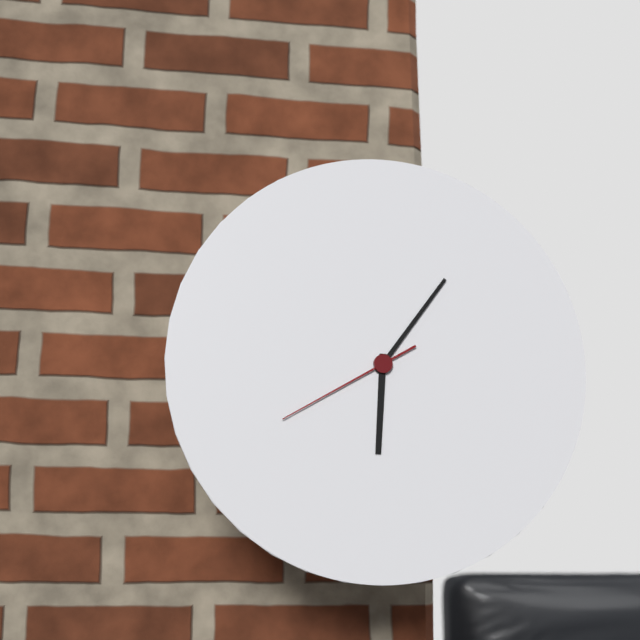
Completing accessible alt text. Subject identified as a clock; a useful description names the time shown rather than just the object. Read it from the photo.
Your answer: 6:06:40
